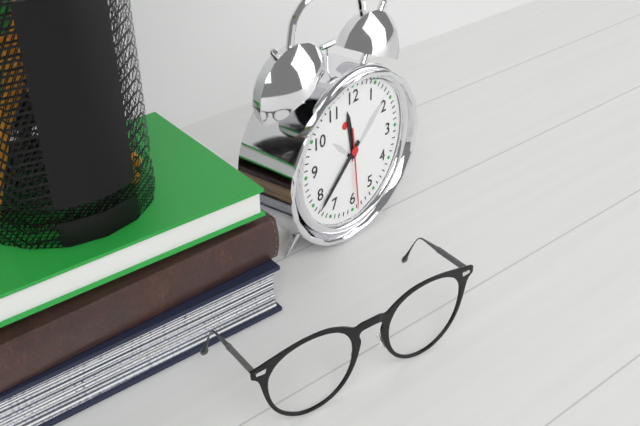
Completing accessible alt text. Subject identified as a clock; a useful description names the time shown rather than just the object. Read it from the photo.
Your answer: 11:38:29
